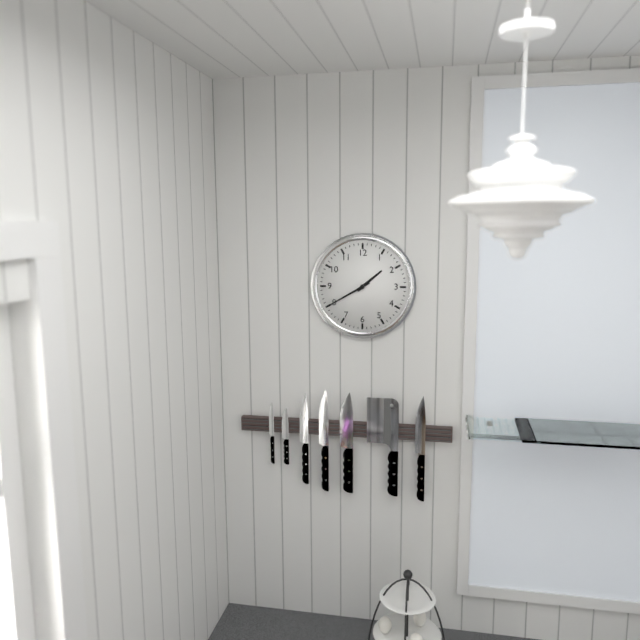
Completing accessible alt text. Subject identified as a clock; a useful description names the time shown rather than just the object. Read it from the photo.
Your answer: 1:40
